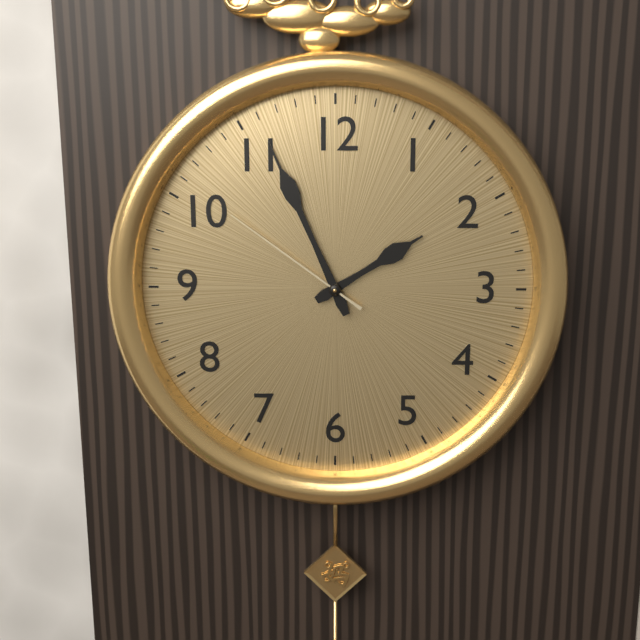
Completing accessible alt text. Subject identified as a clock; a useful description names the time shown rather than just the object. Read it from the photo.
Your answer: 1:56:51
